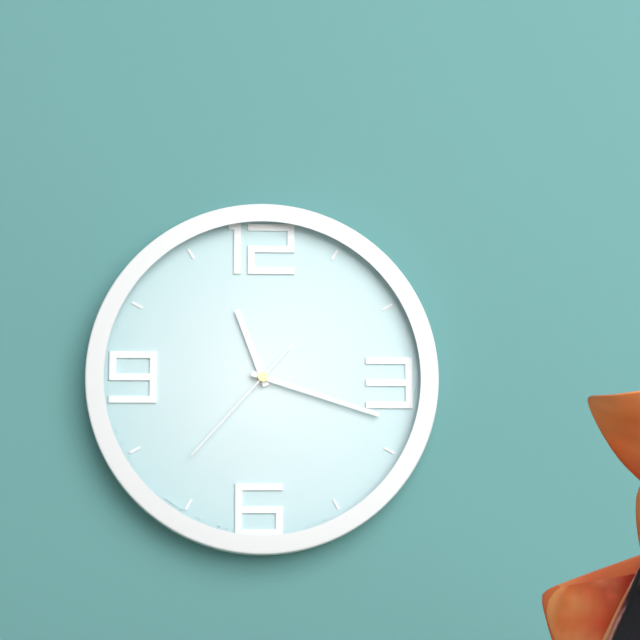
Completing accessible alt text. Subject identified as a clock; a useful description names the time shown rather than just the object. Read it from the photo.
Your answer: 11:18:37
